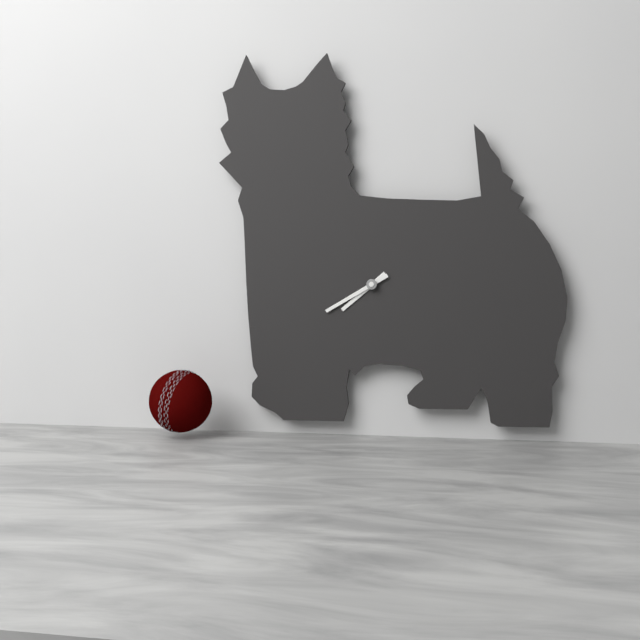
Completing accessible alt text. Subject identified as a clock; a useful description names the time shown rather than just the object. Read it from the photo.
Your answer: 7:40
